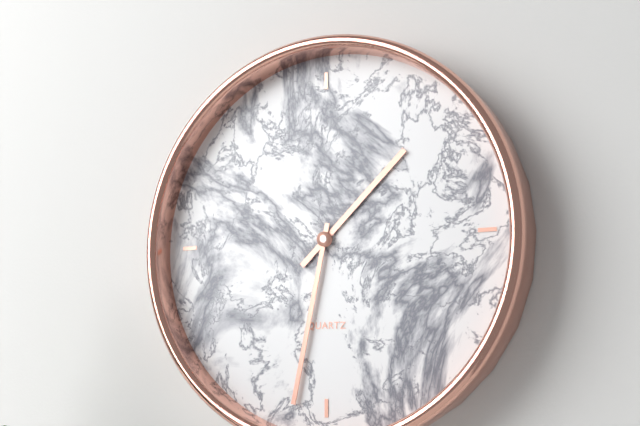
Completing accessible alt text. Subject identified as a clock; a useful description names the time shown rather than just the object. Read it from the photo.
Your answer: 1:32
